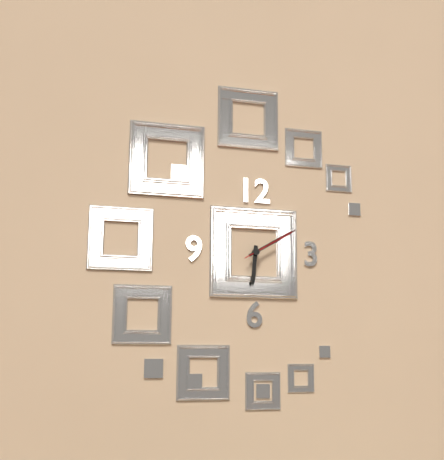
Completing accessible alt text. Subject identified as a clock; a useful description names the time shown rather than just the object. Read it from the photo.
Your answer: 6:10:10
